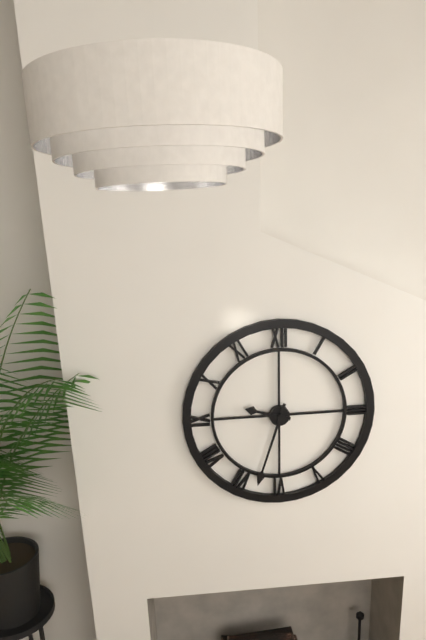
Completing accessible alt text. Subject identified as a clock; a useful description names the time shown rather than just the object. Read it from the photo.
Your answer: 9:33
